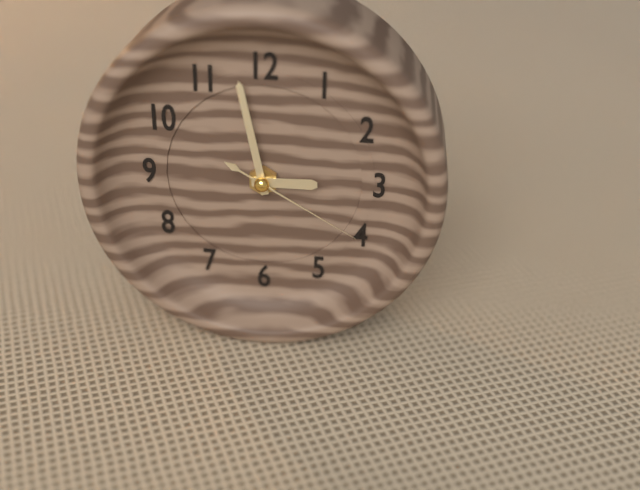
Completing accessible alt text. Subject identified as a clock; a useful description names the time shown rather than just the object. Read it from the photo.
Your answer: 2:58:20
